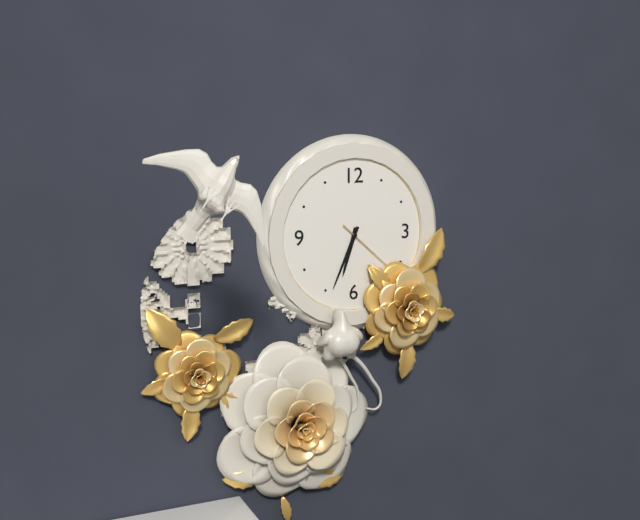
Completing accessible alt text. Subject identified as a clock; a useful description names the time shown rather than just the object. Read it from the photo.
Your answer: 6:34:22
